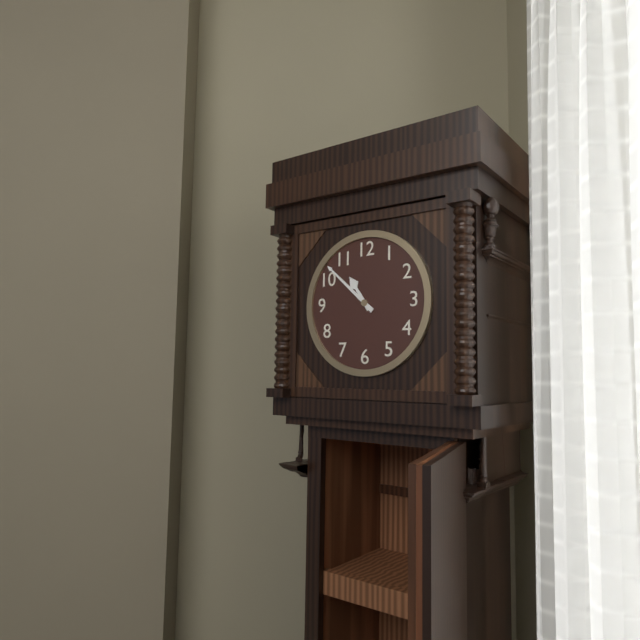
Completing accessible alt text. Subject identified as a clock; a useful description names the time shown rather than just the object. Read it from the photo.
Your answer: 10:52
